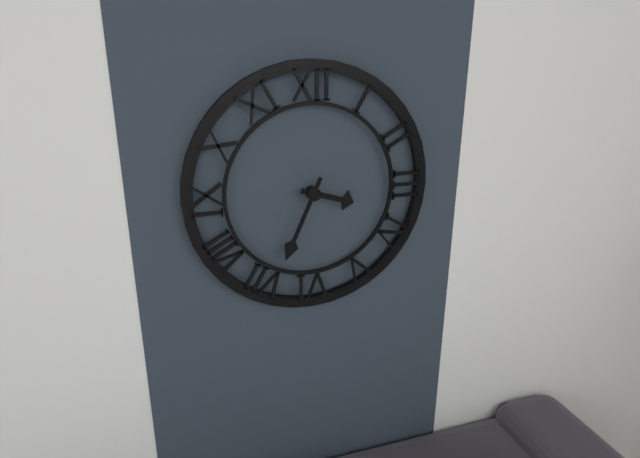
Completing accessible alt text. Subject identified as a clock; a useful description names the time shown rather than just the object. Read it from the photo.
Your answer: 3:34
